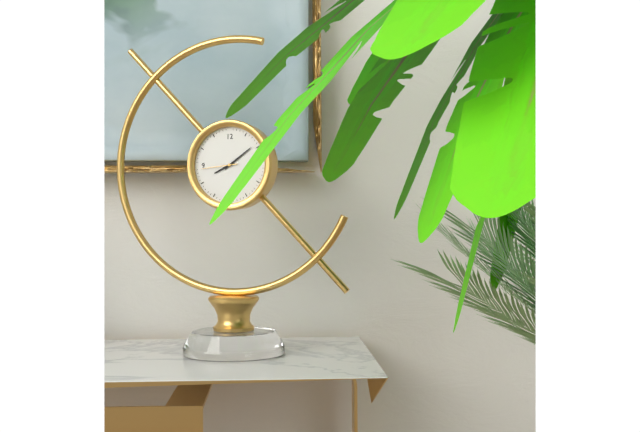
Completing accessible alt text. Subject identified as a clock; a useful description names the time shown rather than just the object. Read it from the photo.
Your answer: 8:09
